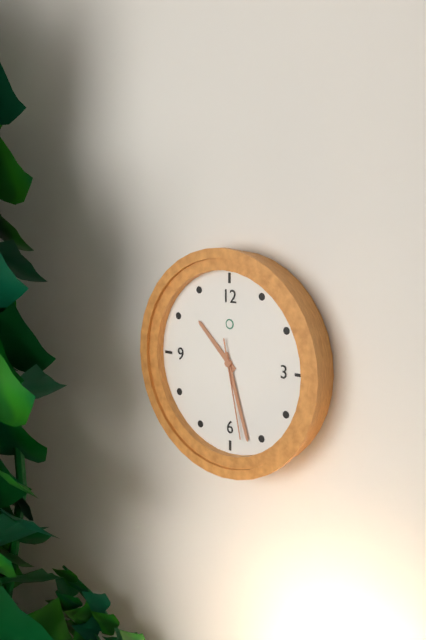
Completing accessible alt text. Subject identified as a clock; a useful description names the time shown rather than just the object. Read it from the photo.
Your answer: 10:27:28
